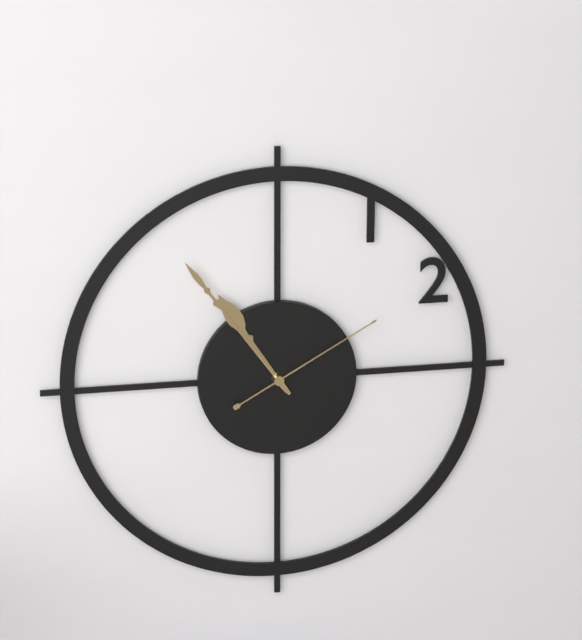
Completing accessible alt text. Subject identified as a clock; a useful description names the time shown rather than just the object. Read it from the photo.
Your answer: 10:54:10
